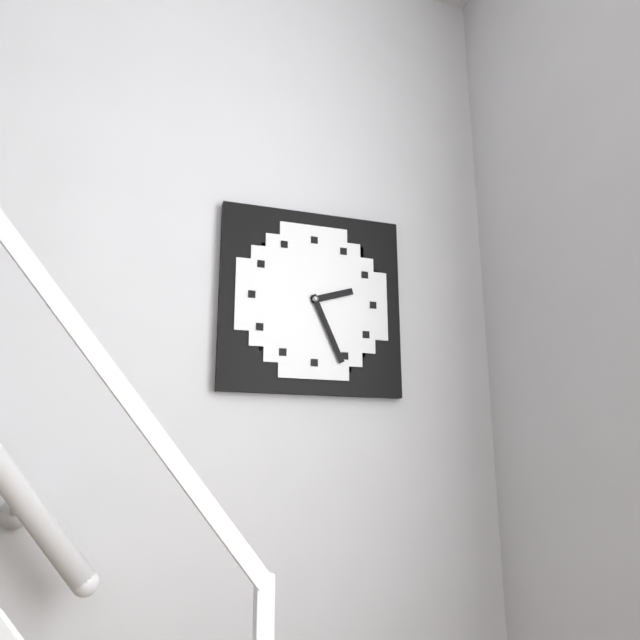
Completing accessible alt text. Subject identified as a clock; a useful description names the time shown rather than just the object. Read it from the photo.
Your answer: 2:26
